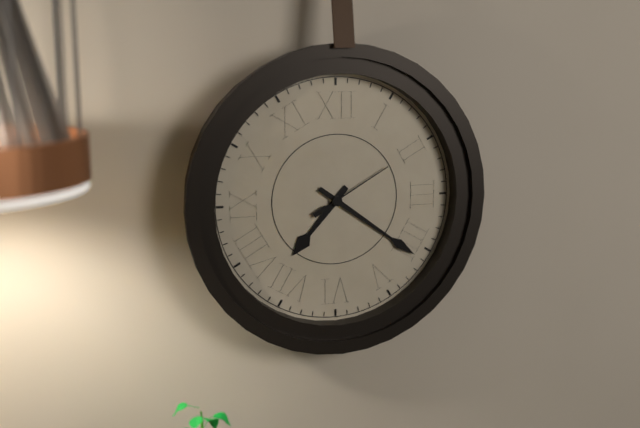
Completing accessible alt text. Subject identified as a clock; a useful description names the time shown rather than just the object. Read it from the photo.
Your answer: 7:21:10
